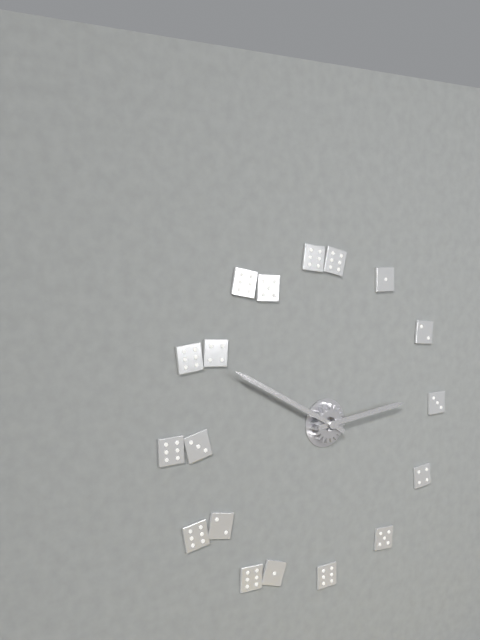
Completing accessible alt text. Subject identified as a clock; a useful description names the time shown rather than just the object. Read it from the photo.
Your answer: 2:50
